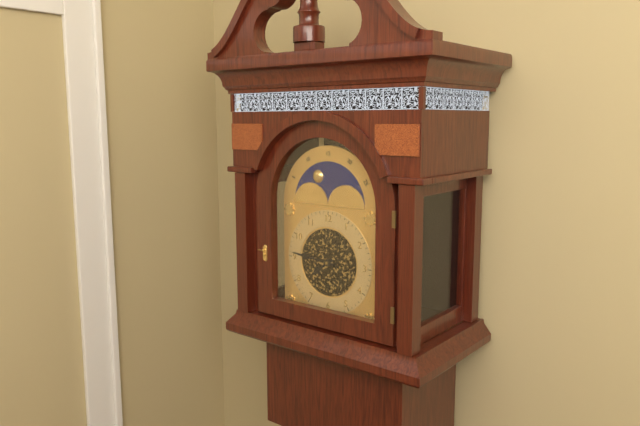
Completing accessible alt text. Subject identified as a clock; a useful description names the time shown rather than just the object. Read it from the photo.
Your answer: 7:46
